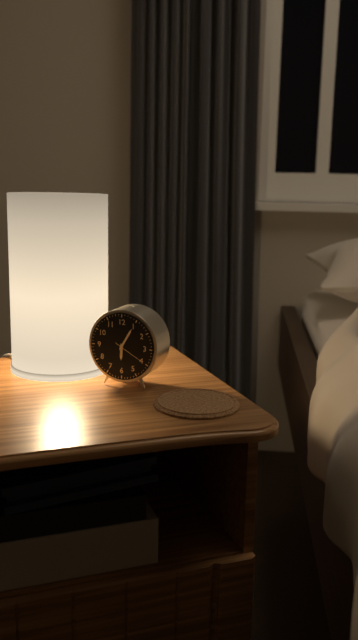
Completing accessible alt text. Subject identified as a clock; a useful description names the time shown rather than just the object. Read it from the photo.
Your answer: 6:05
